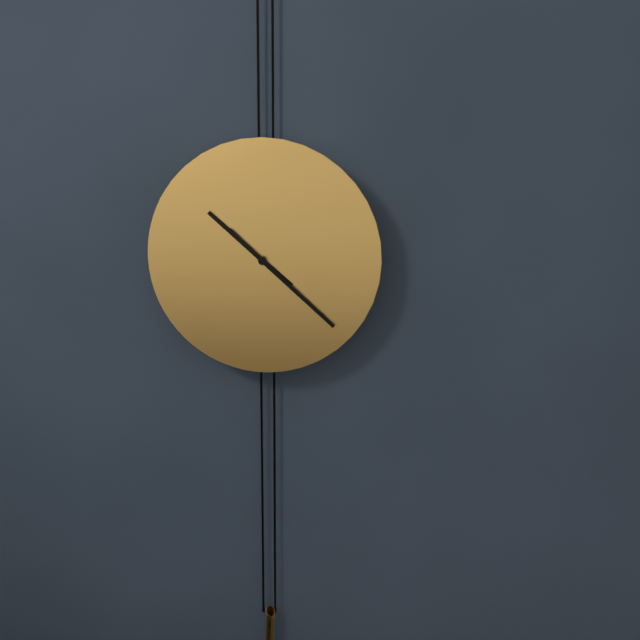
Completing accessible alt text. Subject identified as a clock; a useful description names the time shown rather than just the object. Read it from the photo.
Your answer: 10:22
